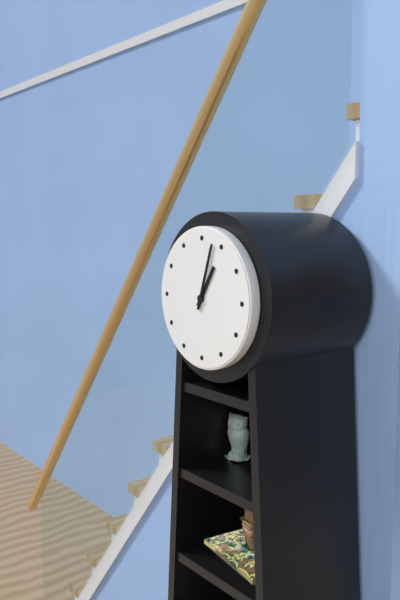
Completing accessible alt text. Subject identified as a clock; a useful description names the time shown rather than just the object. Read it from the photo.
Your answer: 1:03
